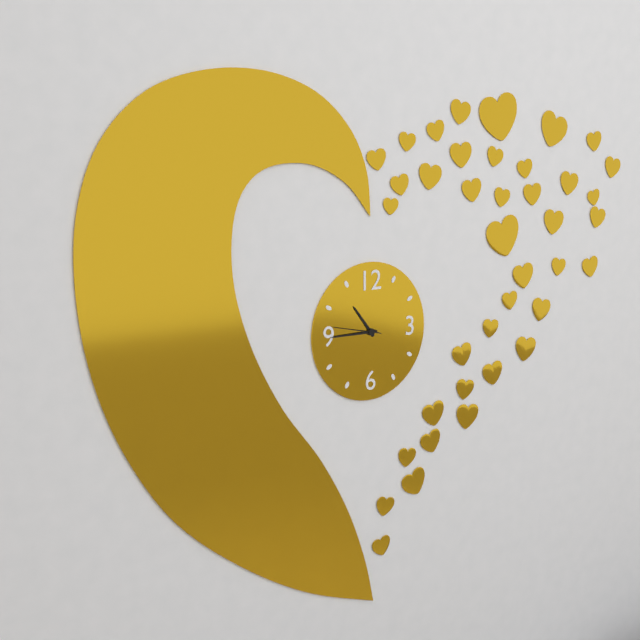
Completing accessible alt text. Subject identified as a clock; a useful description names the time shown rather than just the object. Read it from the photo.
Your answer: 10:45
